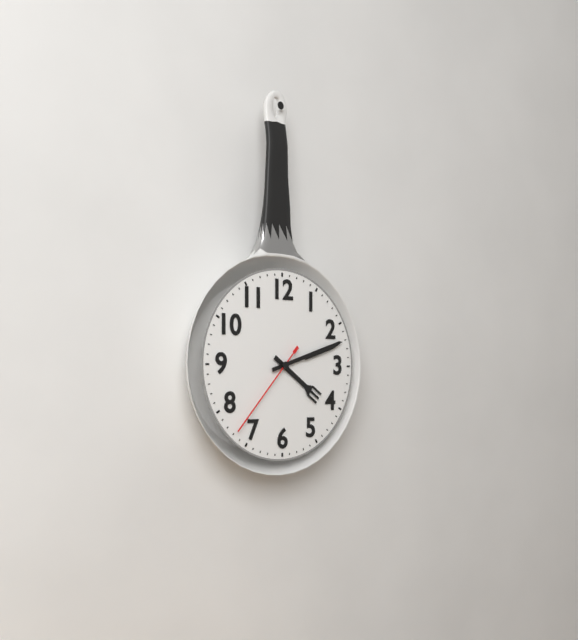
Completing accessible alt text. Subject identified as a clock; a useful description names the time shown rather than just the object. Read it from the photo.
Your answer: 4:12:37
